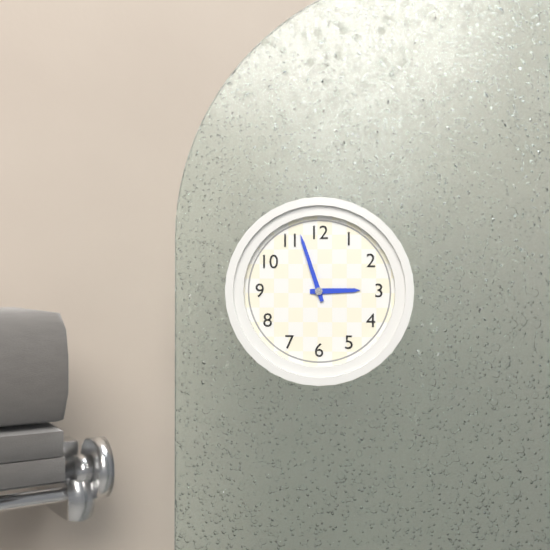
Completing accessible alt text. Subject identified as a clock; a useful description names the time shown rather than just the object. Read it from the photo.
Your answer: 2:57
